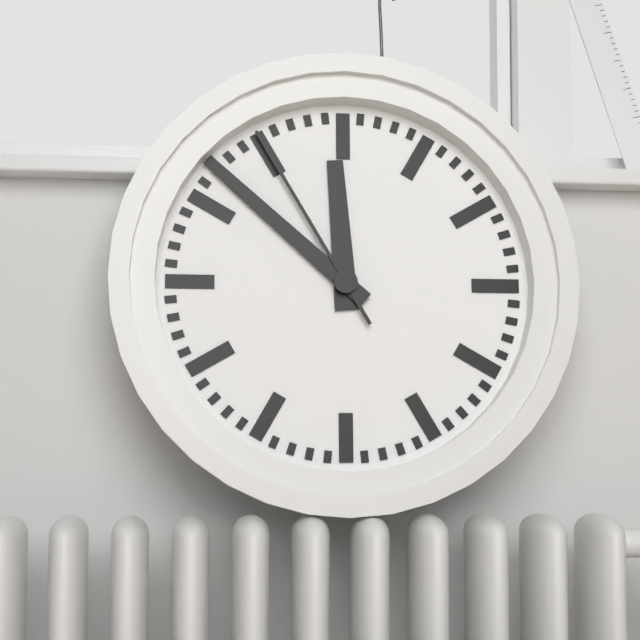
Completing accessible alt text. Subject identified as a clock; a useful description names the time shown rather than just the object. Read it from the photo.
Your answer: 11:52:55
